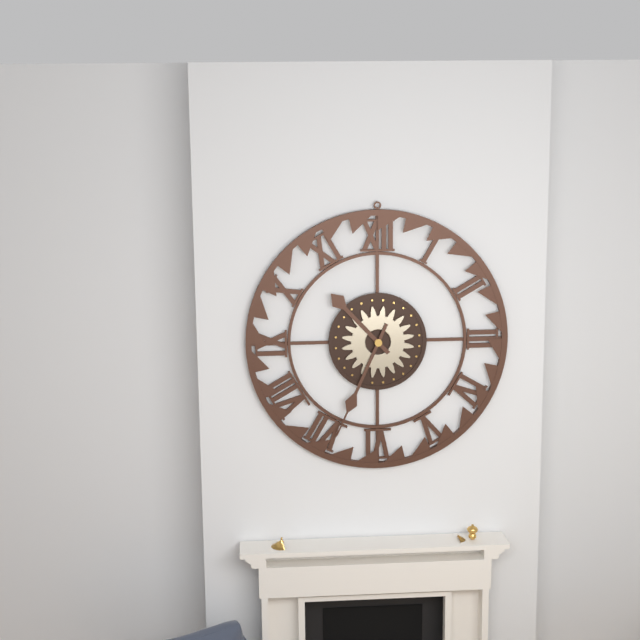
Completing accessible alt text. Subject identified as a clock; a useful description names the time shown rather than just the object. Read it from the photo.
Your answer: 10:34
